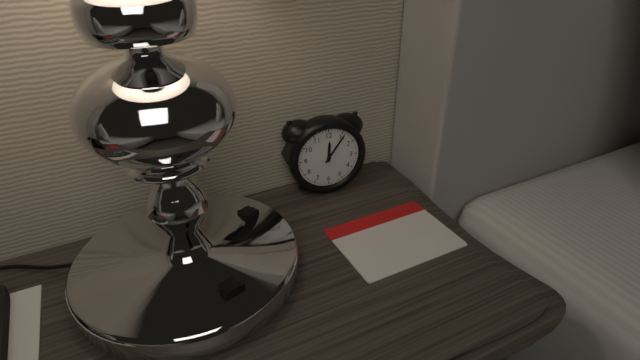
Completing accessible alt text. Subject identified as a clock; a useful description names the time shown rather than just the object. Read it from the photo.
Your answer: 12:06
